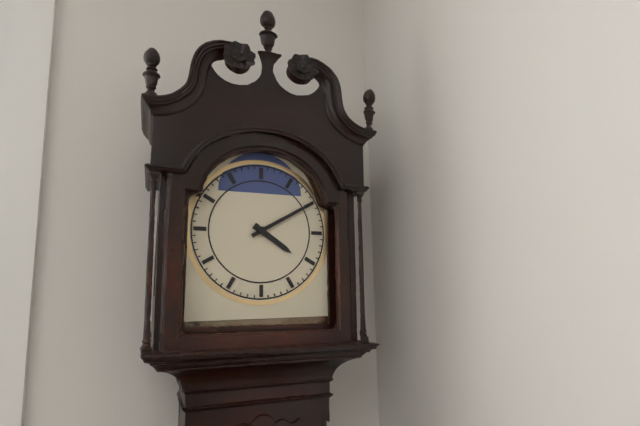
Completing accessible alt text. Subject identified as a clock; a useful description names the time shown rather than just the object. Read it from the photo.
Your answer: 4:10
